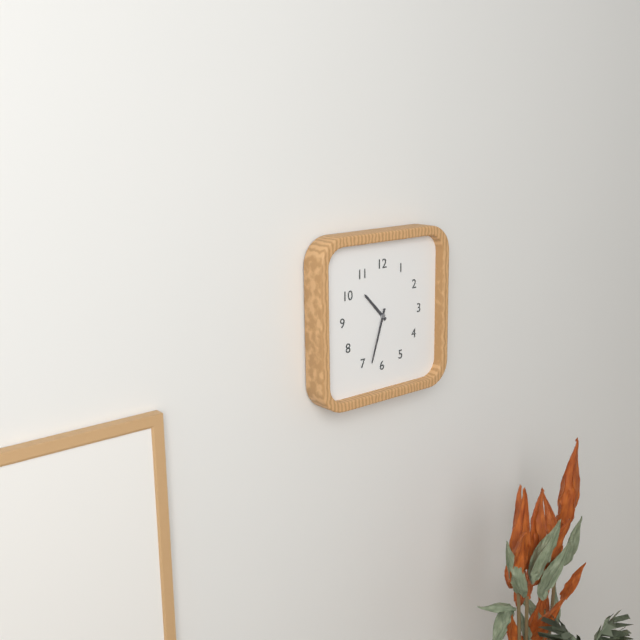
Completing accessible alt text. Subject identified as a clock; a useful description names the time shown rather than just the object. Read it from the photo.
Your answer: 10:33
